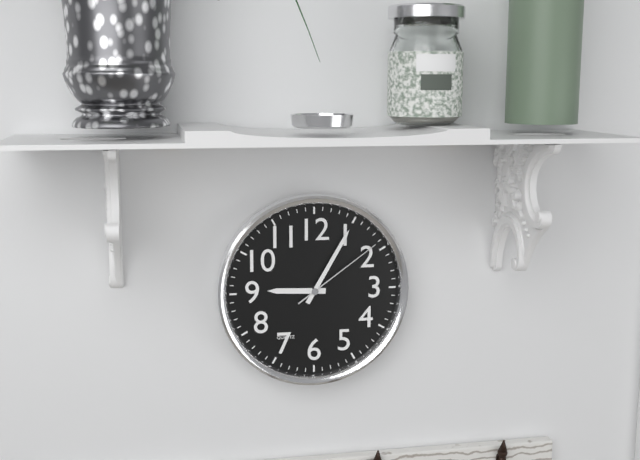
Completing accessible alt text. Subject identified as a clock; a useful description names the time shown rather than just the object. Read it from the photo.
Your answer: 9:05:09
